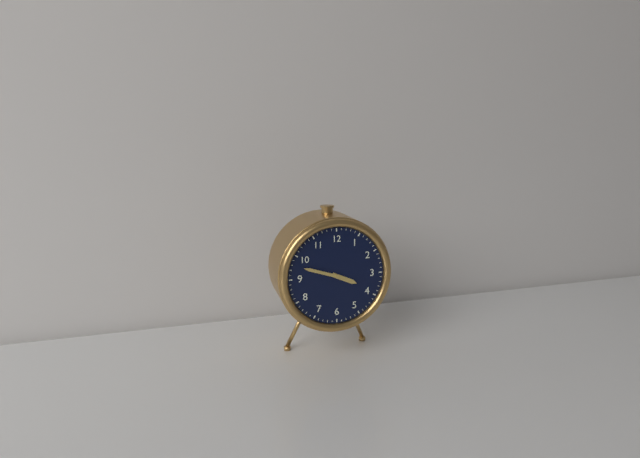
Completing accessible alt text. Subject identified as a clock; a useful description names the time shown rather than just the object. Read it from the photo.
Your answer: 3:48
